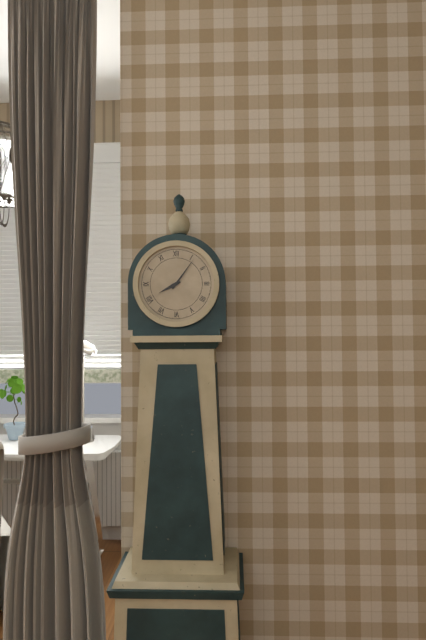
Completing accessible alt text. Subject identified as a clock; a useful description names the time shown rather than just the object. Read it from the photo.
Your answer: 8:06
